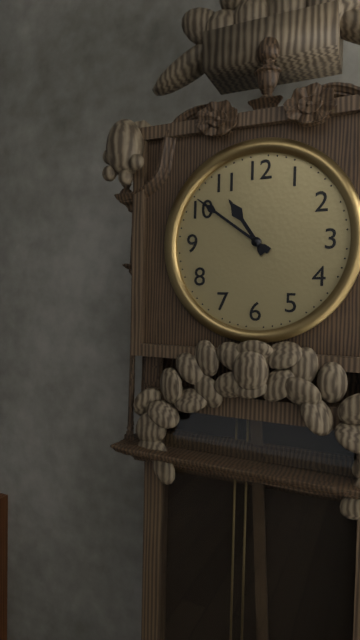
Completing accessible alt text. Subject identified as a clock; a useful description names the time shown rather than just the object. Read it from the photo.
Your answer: 10:51
